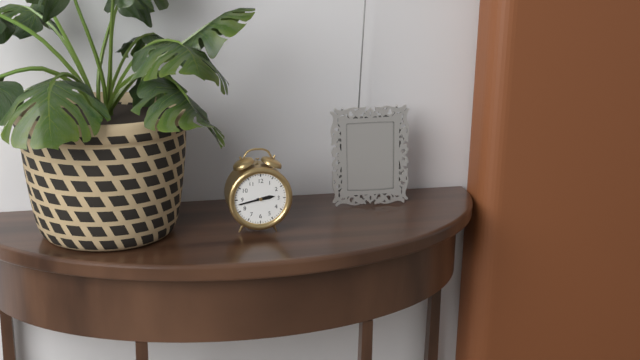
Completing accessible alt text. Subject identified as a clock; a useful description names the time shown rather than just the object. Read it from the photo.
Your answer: 2:43
